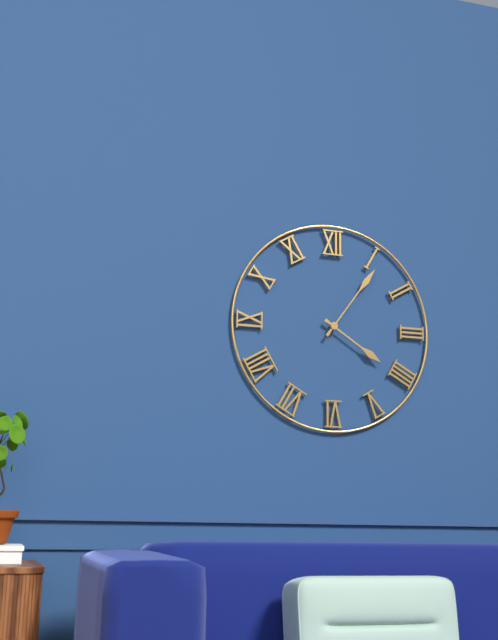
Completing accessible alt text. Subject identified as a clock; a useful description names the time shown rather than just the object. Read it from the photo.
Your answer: 4:06
